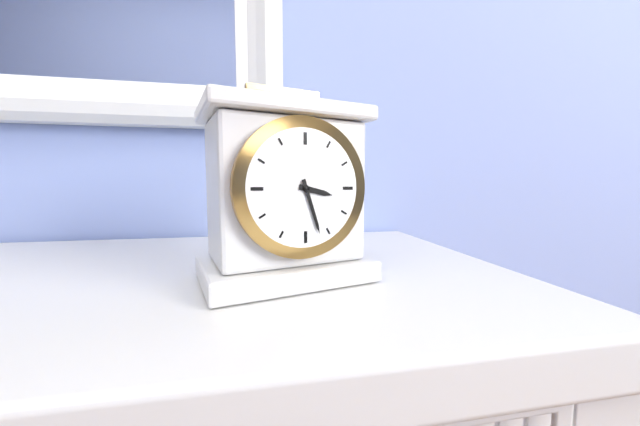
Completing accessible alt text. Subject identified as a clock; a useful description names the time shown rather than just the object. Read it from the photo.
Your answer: 3:27
